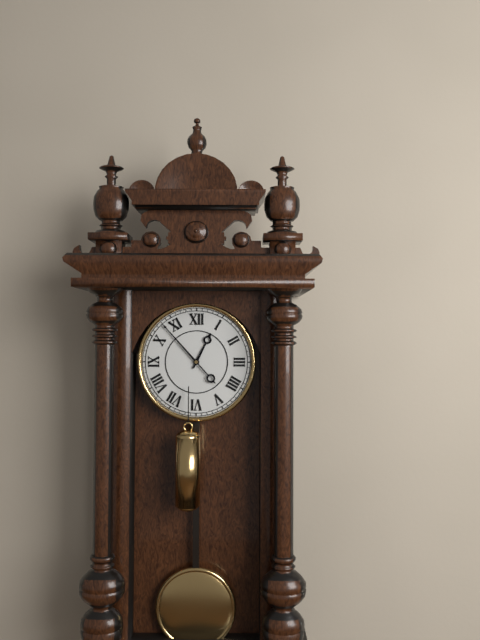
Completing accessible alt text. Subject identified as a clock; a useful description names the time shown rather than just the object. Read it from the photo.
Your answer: 12:53
